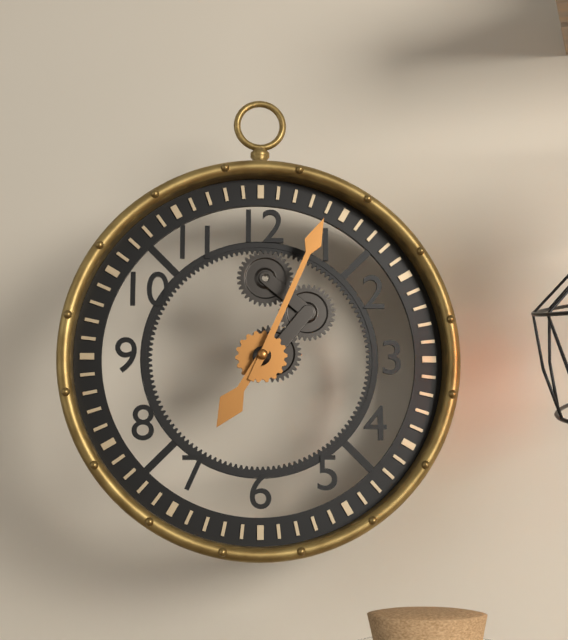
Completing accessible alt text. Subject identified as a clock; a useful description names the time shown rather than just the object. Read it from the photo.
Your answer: 7:04
